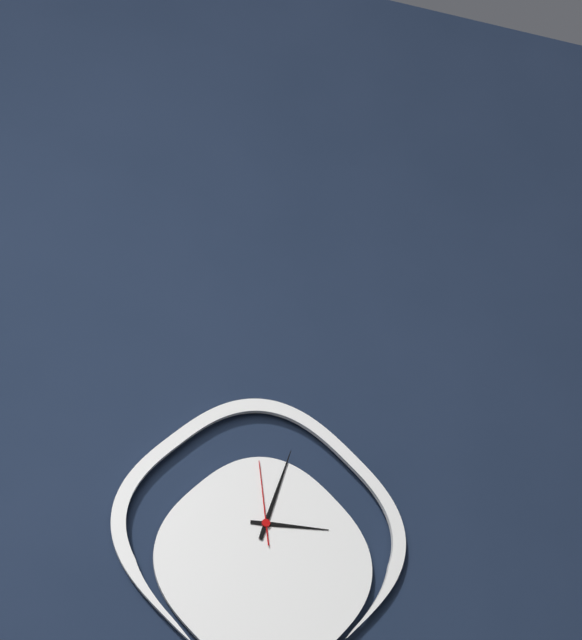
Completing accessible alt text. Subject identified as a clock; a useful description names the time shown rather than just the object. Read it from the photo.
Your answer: 3:03:59
